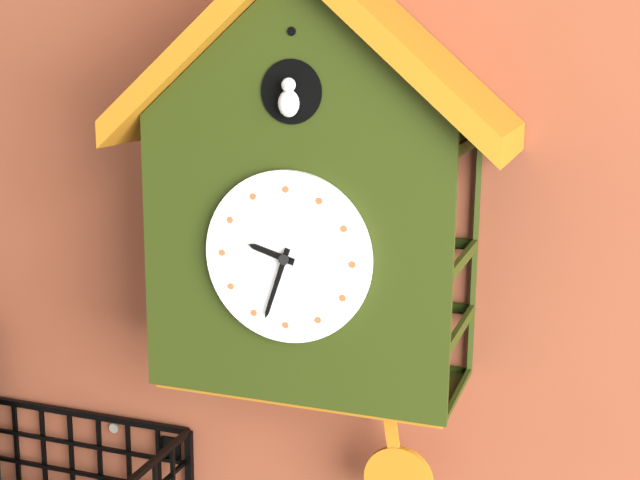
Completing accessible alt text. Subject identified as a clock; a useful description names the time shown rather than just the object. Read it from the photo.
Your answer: 9:33
